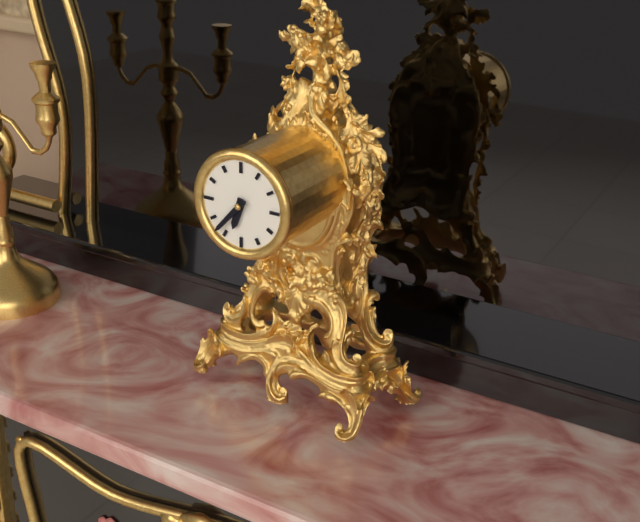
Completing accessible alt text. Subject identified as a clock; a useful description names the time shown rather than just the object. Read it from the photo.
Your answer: 6:37
